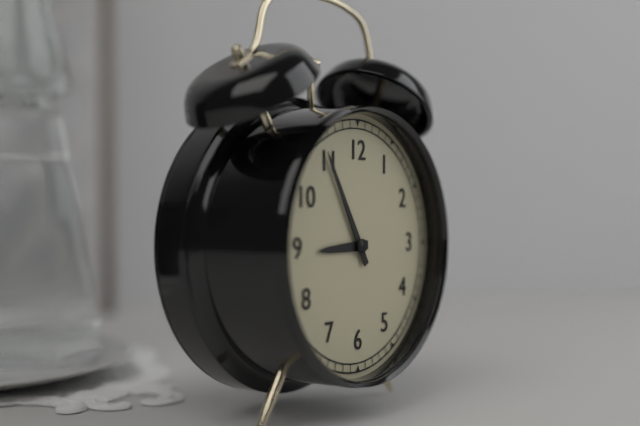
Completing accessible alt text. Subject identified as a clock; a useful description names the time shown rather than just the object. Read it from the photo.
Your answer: 8:55
